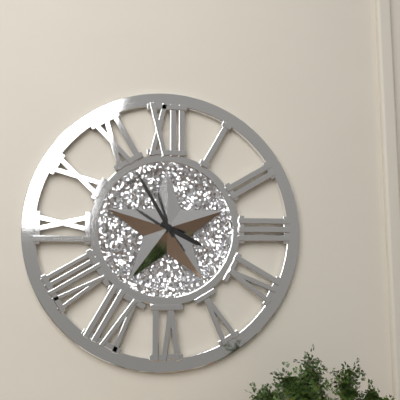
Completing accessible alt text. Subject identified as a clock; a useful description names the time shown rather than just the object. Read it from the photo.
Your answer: 3:55
